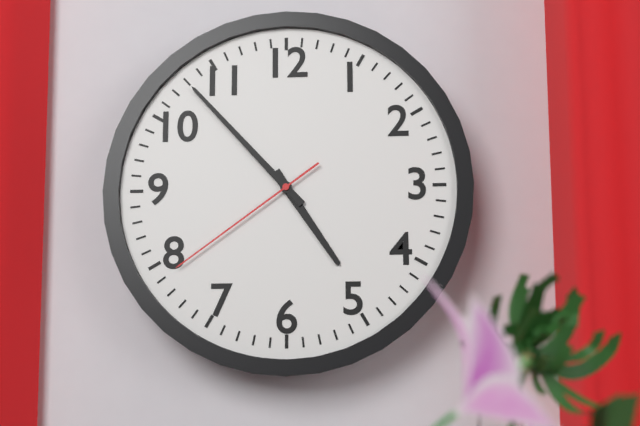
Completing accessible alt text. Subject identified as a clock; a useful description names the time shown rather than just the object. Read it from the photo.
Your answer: 4:53:39
